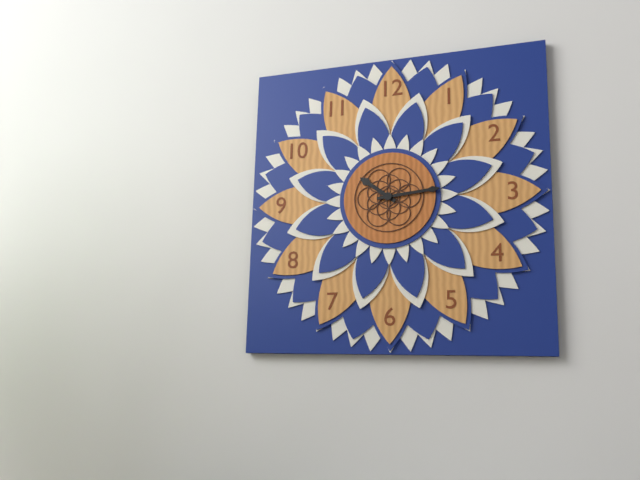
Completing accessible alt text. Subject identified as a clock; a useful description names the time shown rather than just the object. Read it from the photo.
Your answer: 10:14
